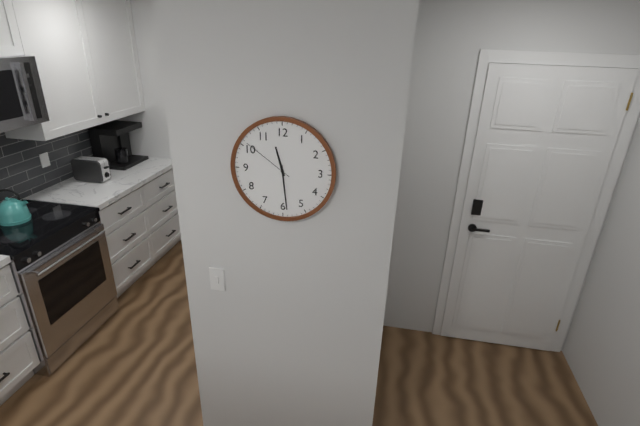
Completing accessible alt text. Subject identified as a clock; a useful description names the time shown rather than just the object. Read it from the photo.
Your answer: 11:29:51
